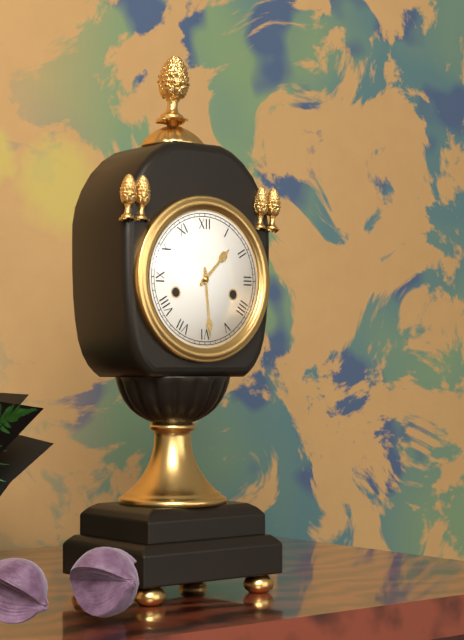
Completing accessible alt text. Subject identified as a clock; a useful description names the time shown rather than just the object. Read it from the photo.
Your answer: 1:29
